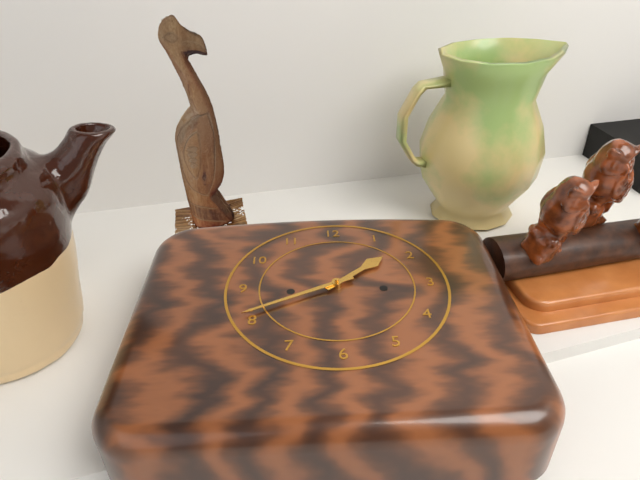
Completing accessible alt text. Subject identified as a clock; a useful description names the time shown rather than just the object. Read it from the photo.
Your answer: 1:41
